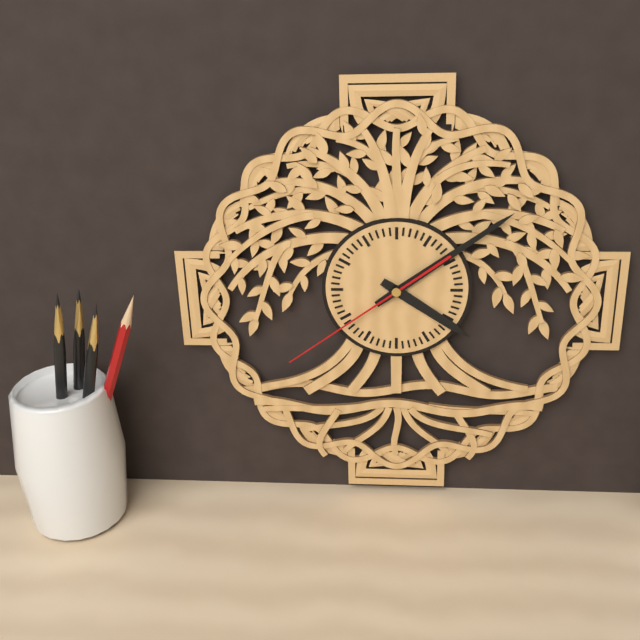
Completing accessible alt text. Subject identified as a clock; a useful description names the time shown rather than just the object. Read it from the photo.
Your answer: 4:09:39
